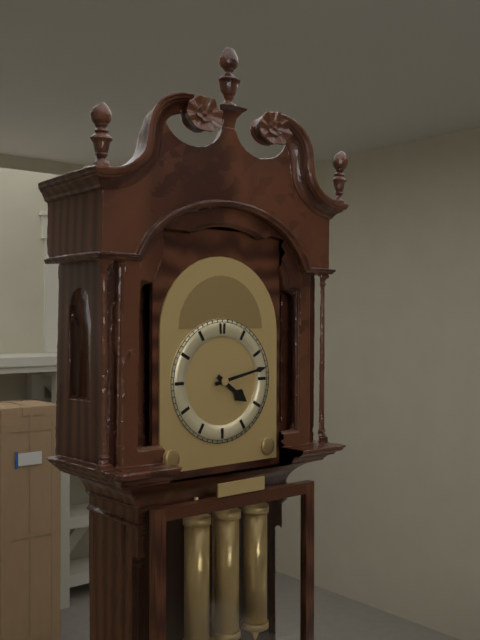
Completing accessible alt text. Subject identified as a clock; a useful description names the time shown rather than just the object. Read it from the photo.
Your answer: 4:13
